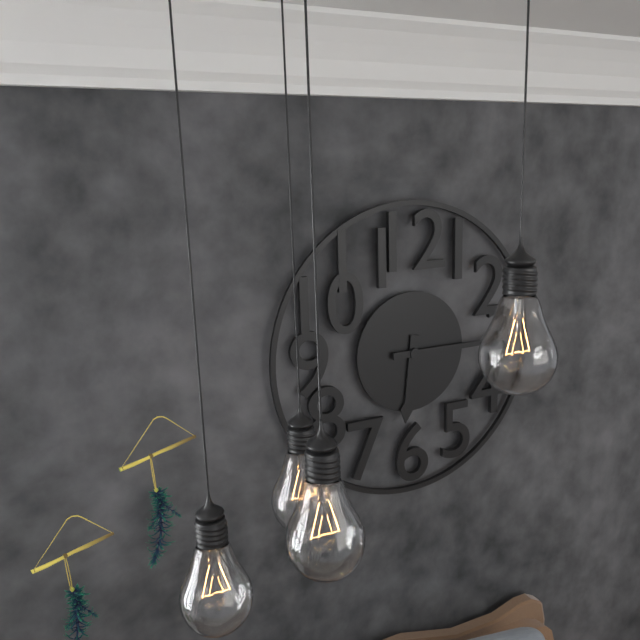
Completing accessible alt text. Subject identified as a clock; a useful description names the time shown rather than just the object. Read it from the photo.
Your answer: 6:15
